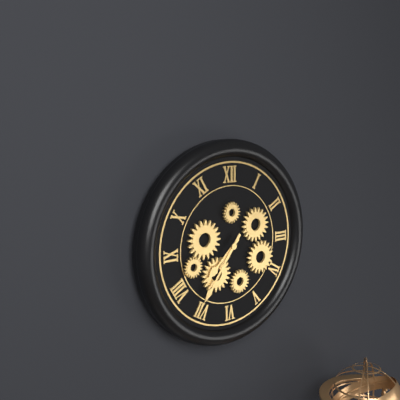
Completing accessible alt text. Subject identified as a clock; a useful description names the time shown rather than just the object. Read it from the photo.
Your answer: 7:36
